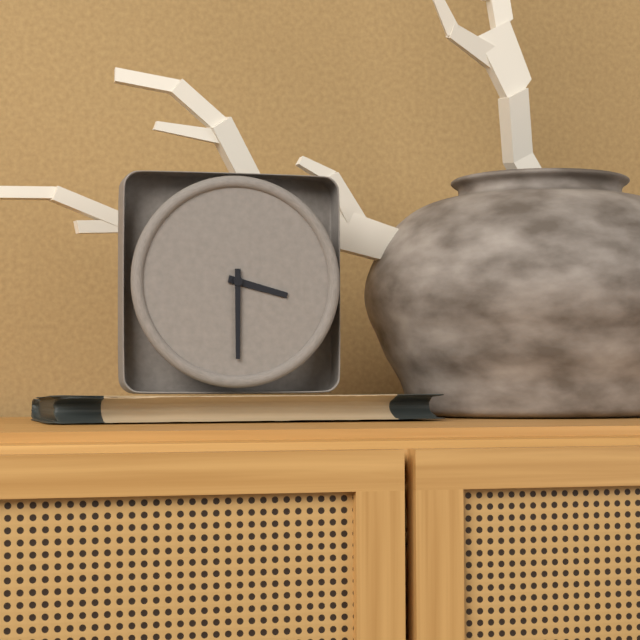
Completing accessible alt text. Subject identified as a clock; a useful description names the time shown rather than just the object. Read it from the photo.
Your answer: 3:30
